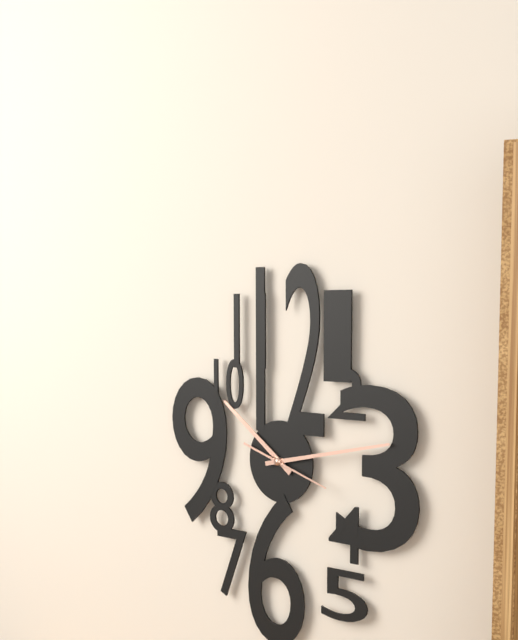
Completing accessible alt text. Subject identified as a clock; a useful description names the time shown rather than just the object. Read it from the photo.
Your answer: 10:13:18
